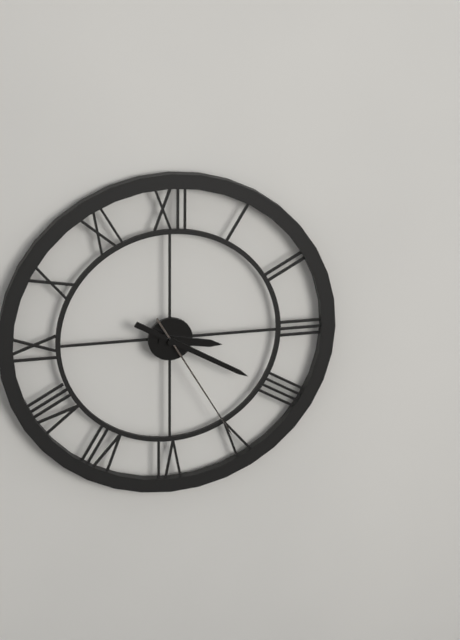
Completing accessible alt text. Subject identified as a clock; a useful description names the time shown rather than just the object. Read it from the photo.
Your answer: 3:20:25
